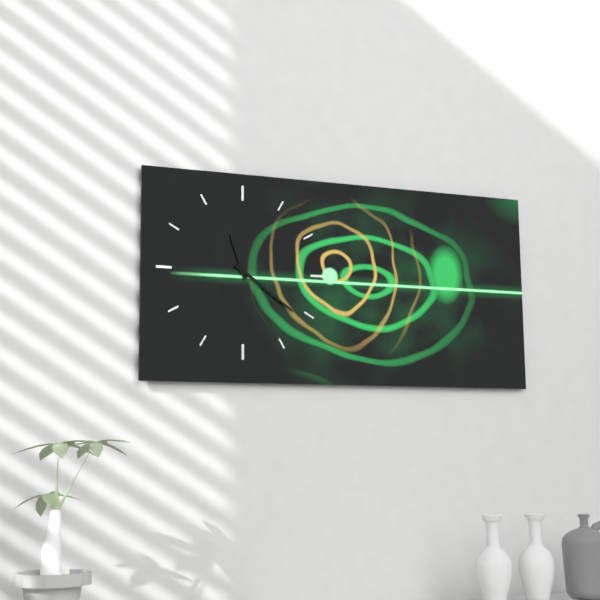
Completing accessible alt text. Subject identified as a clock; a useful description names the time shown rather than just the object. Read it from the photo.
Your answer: 11:21
